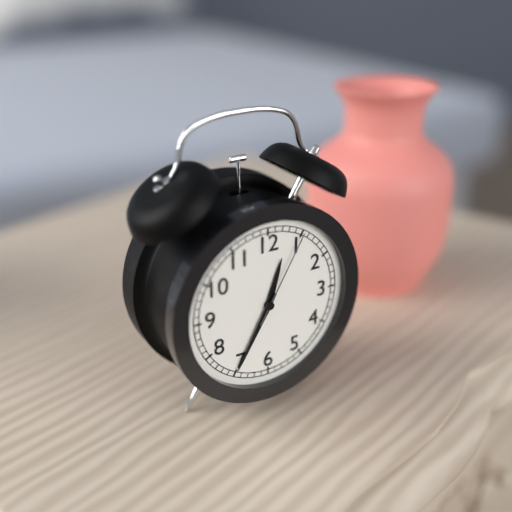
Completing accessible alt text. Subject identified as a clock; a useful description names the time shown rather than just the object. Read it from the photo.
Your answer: 12:35:05
